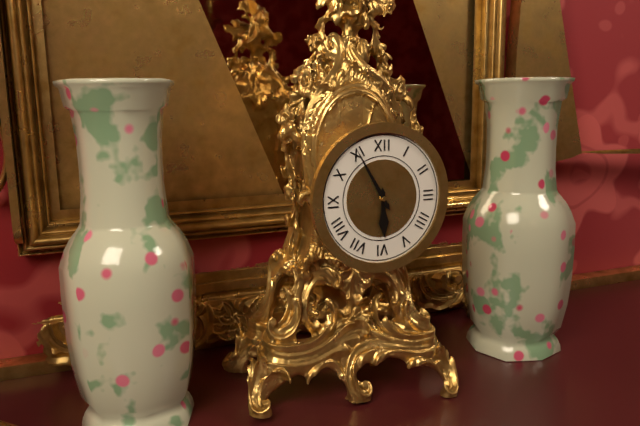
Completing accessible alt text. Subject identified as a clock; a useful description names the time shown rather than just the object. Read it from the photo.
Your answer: 5:55
